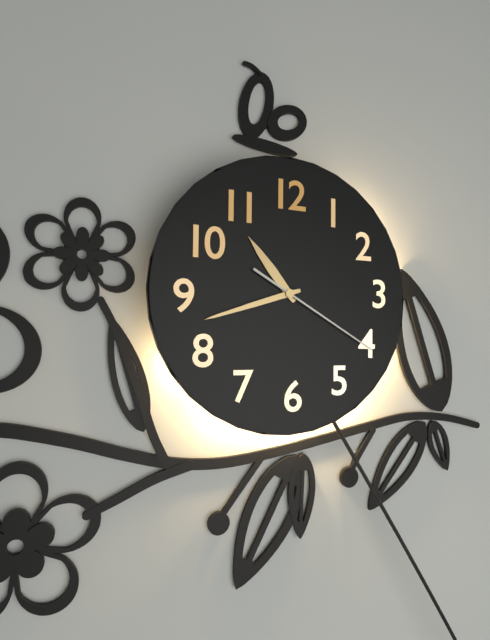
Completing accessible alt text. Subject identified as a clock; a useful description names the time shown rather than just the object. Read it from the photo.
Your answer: 10:42:20
